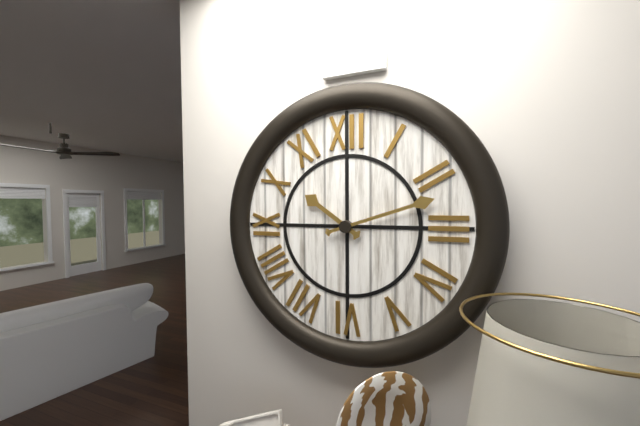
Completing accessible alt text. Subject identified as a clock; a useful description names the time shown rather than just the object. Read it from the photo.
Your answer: 10:12
